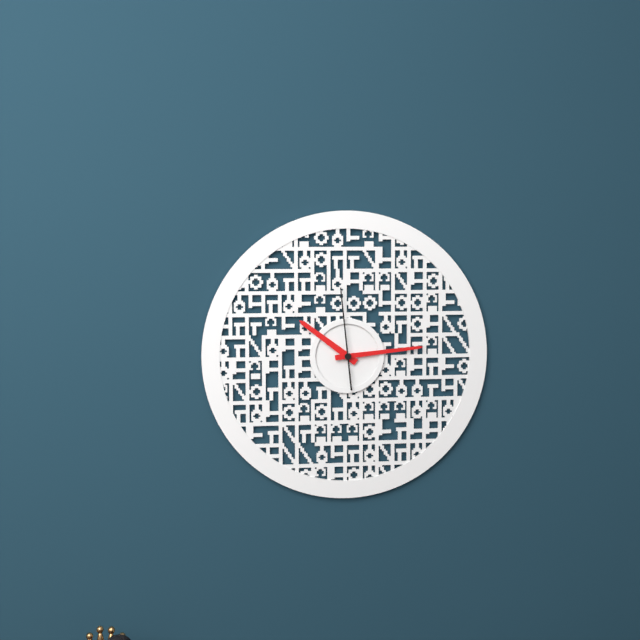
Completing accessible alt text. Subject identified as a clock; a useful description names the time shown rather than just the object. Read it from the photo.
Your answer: 10:14:59
